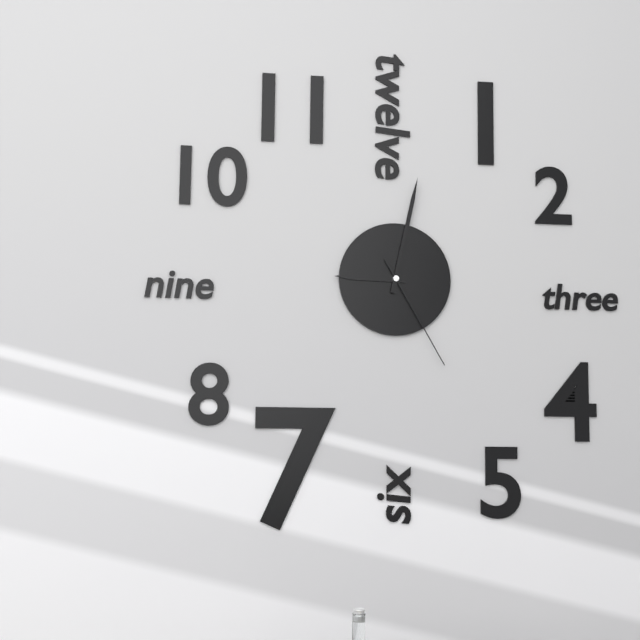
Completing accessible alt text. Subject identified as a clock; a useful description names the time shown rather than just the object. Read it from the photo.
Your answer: 9:02:25
